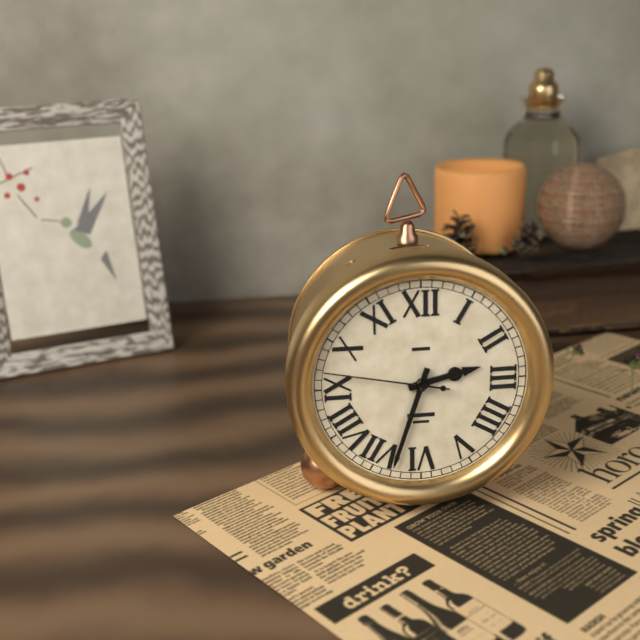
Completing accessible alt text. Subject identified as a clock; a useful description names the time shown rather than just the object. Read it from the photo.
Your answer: 2:33:47
